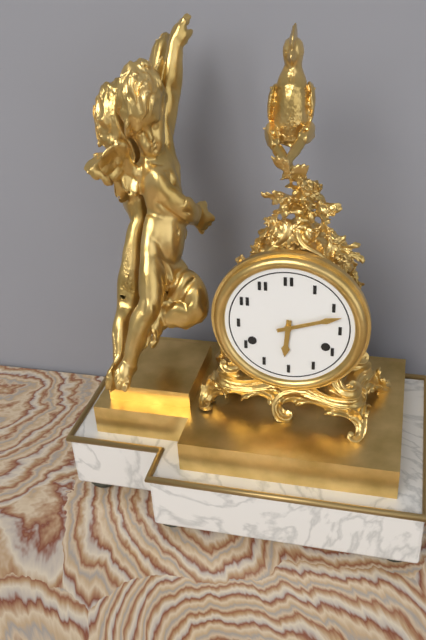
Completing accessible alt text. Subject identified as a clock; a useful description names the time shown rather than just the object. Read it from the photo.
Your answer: 6:12
